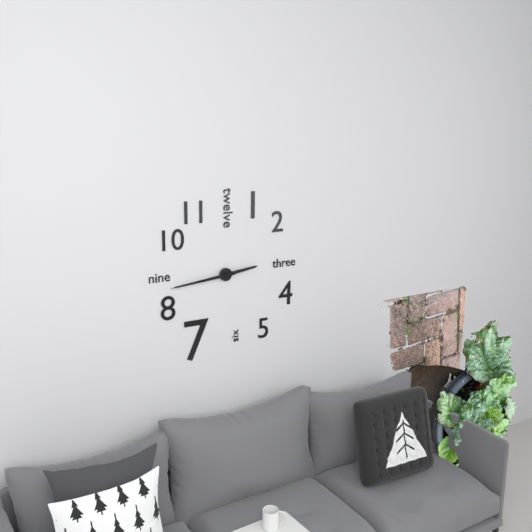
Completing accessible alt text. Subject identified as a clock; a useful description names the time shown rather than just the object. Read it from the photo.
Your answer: 2:44
